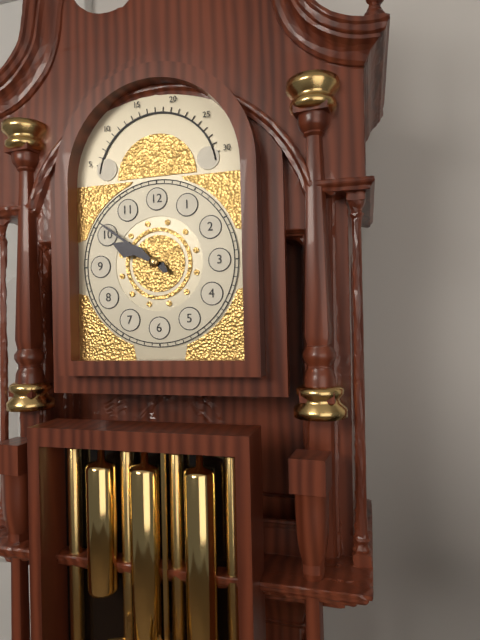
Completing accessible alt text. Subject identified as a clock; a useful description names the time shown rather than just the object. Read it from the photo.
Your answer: 9:51
